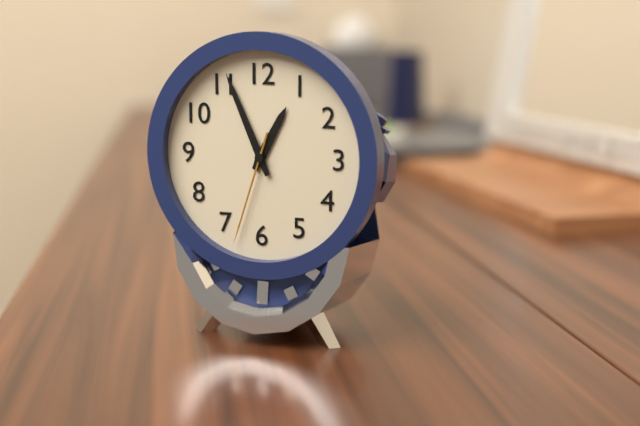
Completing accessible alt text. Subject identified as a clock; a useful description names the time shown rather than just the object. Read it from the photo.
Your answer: 12:56:33
